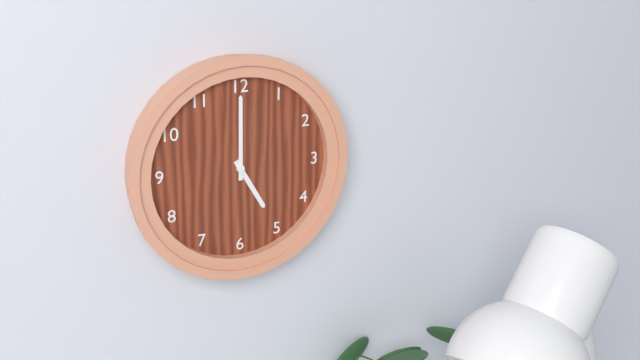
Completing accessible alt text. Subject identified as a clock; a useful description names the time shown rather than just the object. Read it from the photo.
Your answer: 5:00
